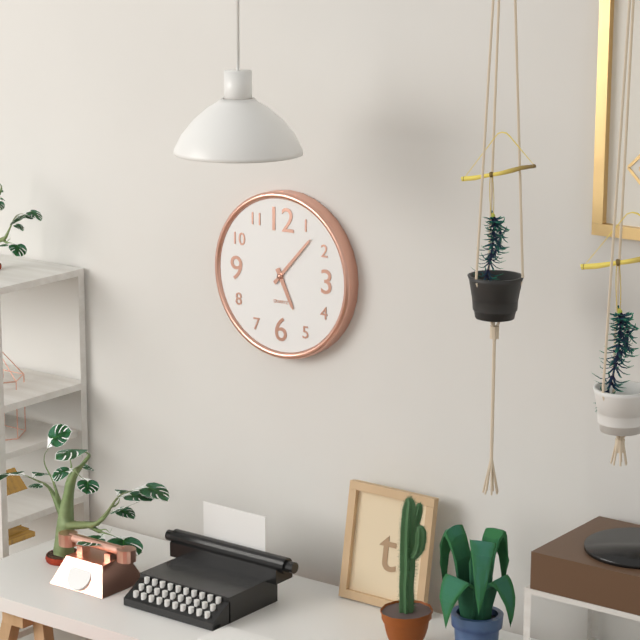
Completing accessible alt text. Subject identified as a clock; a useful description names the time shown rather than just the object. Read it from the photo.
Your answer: 5:07
